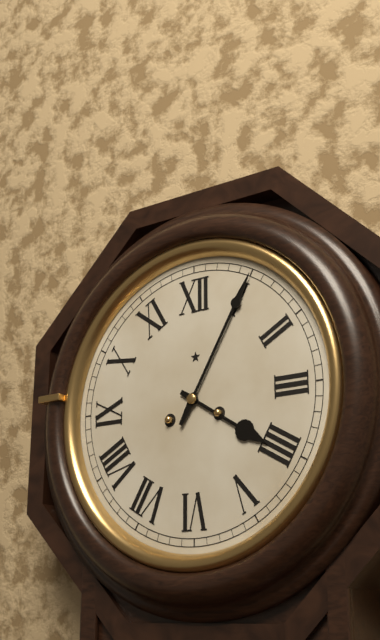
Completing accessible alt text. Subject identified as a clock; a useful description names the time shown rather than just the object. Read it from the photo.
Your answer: 4:05
